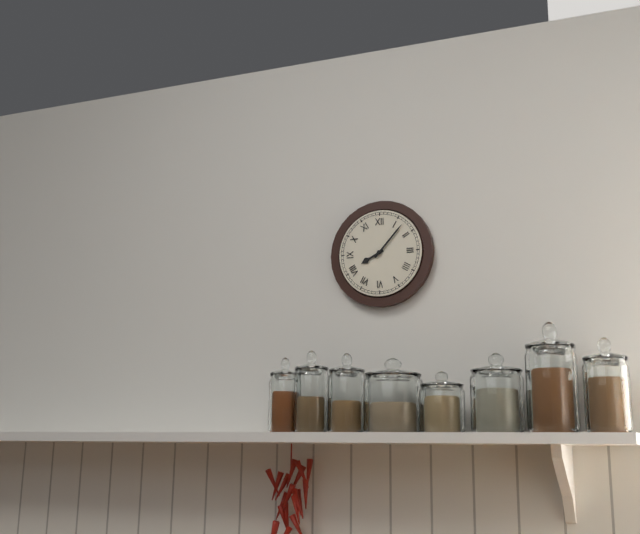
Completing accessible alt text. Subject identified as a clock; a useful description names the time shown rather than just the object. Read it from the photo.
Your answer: 8:07
